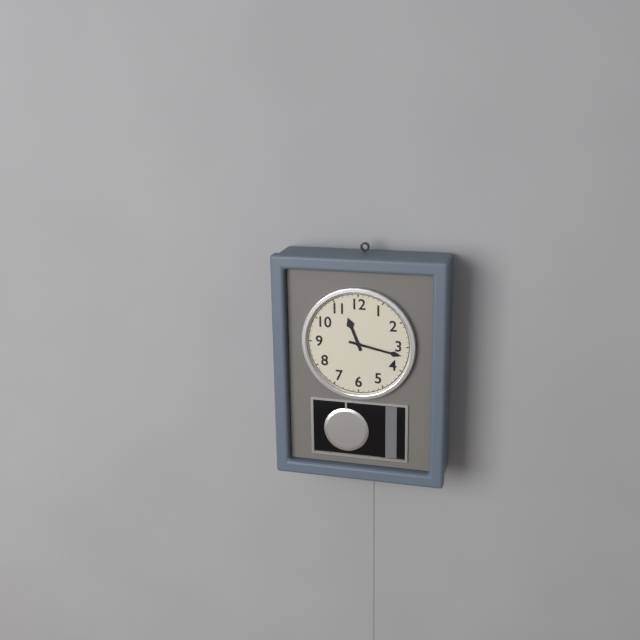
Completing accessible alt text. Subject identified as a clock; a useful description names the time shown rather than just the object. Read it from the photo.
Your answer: 11:17
